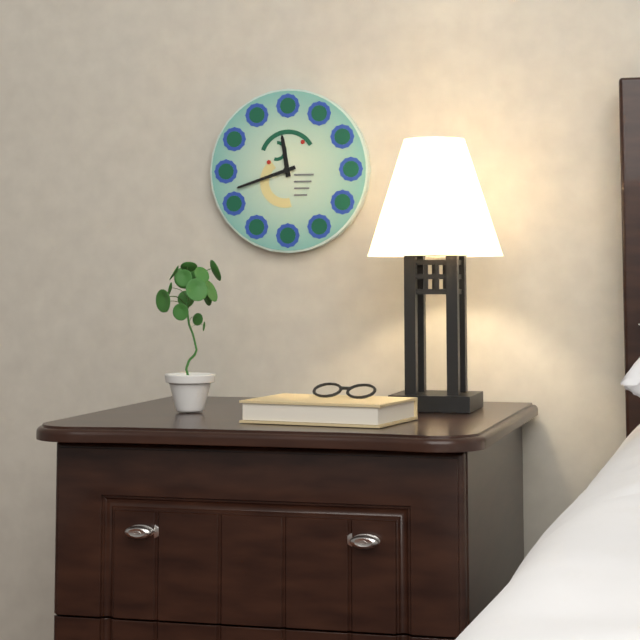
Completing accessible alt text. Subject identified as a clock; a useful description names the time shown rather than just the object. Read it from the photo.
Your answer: 11:42
